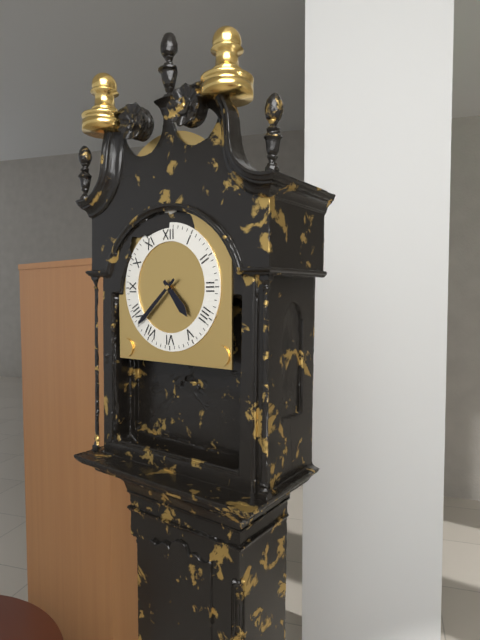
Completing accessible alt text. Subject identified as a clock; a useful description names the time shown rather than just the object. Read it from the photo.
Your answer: 4:38
